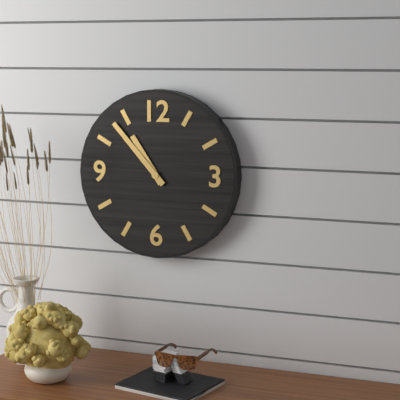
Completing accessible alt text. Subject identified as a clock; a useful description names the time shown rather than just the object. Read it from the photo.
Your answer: 10:53
